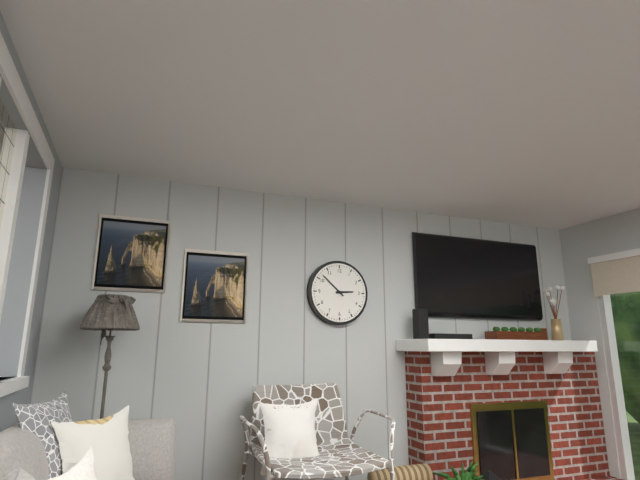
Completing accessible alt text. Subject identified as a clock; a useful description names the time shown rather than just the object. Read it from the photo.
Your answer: 2:52
